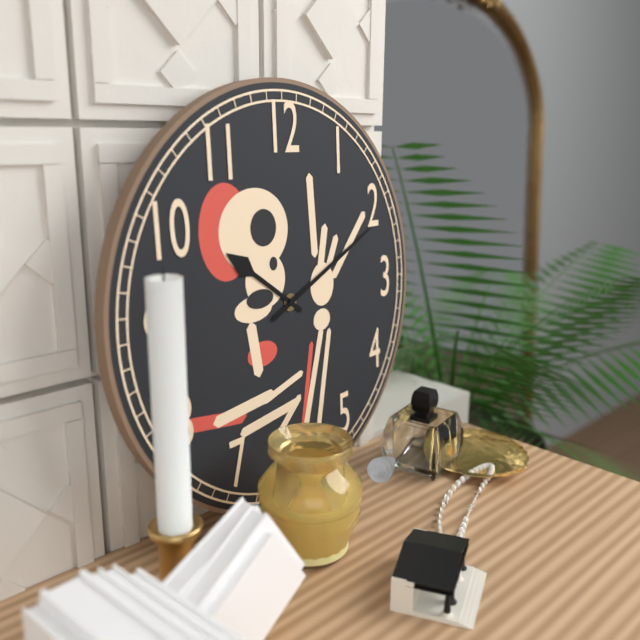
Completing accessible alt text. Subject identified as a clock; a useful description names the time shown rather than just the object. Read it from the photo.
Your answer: 10:11
